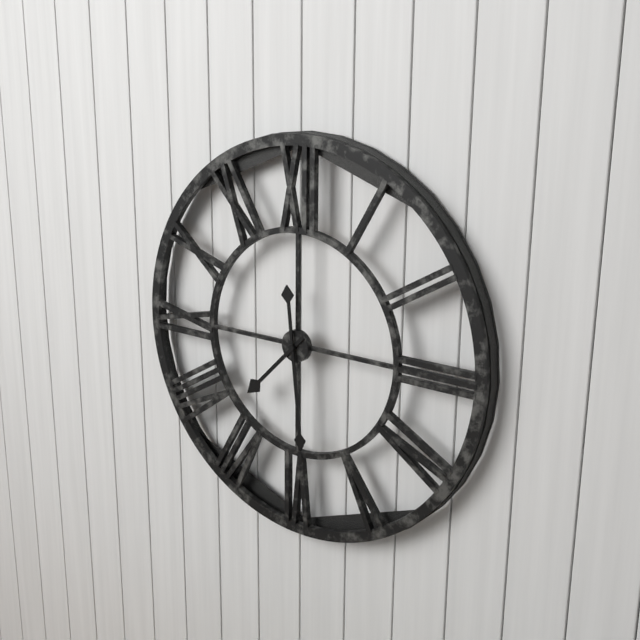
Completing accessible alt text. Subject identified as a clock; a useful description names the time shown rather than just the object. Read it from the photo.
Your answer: 7:29
